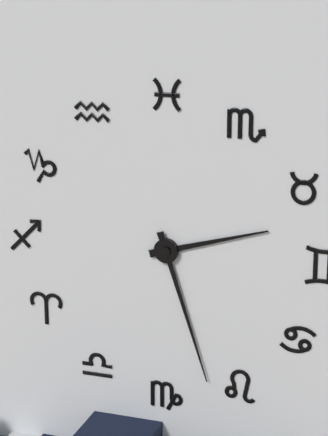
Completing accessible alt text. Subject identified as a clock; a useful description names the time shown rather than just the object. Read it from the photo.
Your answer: 2:27
